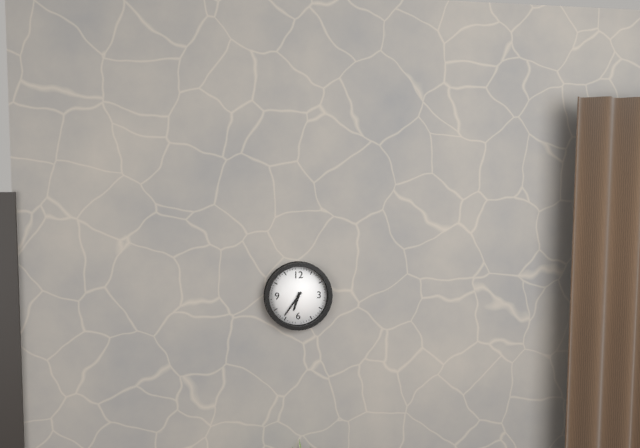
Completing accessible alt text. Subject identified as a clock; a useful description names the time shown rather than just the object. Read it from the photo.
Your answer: 6:36
